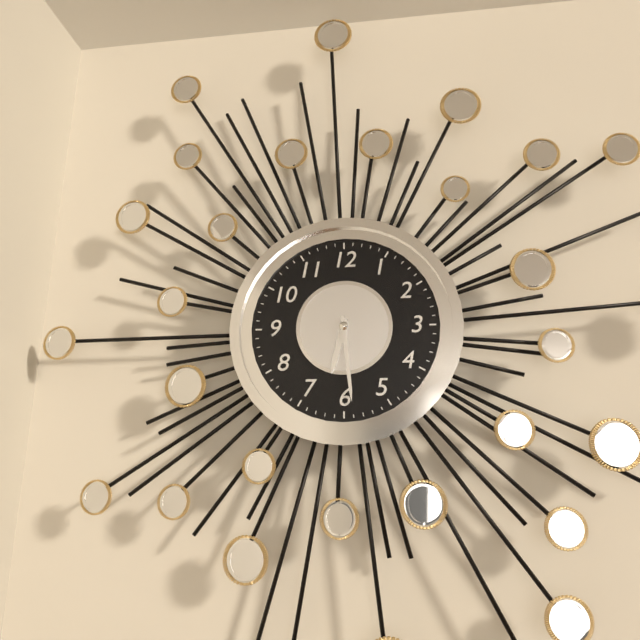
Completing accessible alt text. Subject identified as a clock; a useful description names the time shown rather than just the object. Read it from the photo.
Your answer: 6:29
